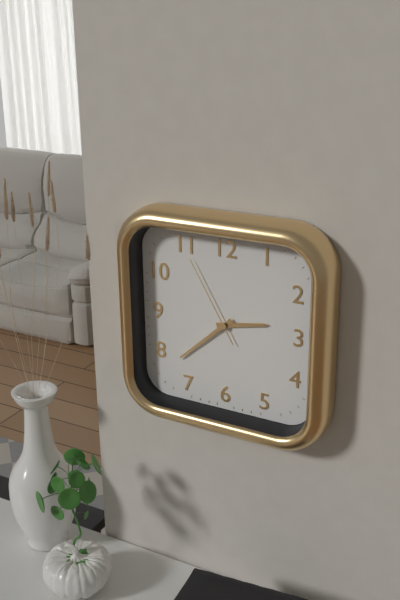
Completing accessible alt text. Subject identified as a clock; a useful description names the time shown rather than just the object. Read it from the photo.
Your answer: 2:38:55
